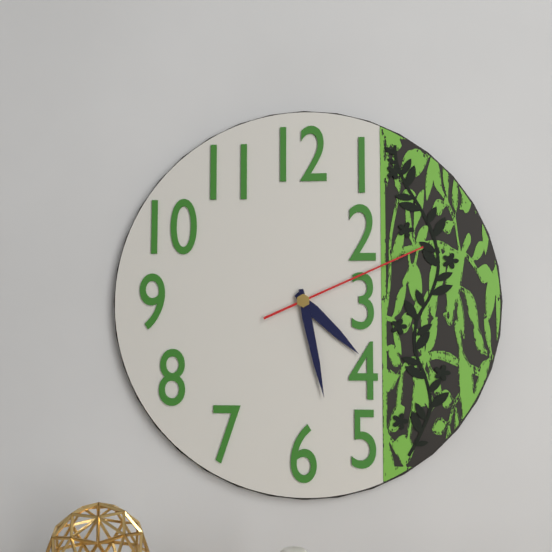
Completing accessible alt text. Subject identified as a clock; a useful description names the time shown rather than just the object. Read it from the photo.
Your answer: 4:28:11
